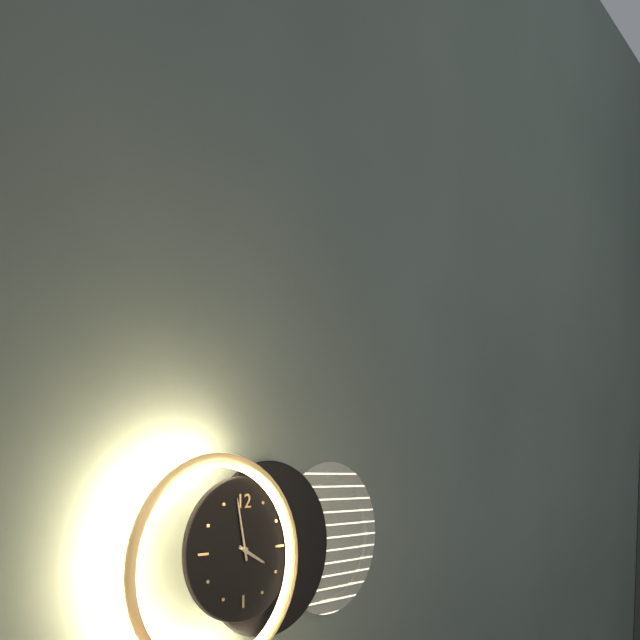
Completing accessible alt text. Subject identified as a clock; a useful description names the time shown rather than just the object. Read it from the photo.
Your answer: 3:58
